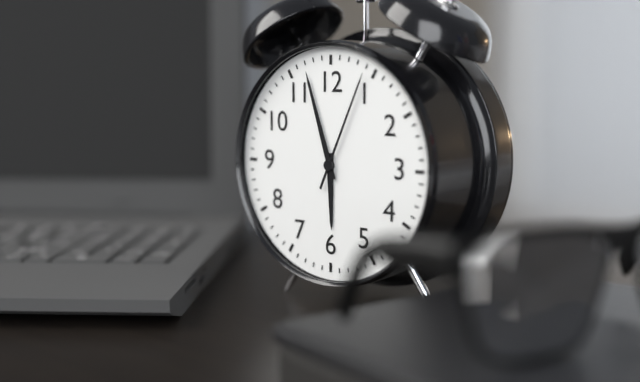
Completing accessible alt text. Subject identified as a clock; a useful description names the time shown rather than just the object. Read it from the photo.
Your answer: 5:57:04
